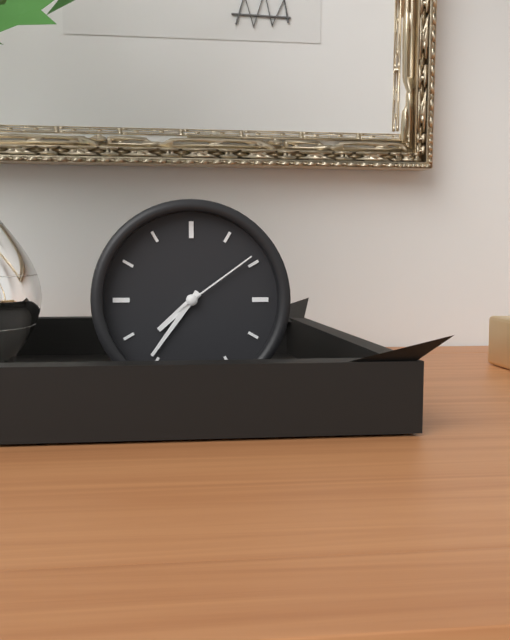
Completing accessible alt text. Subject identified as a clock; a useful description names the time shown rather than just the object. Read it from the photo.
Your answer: 7:36:09
